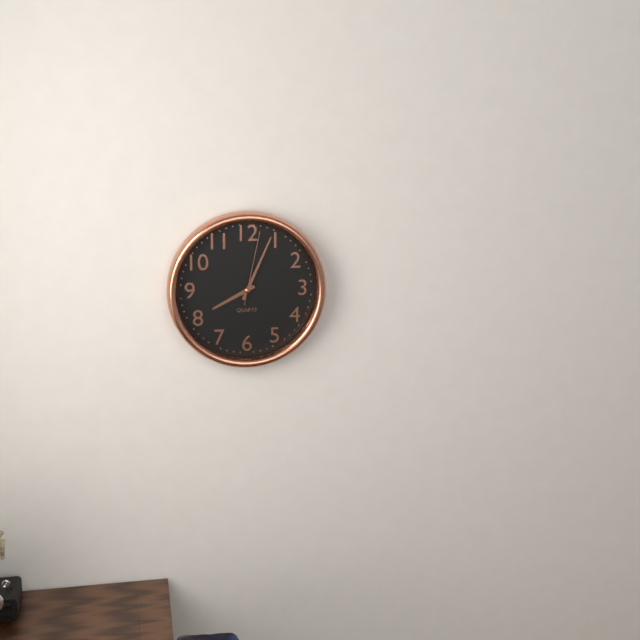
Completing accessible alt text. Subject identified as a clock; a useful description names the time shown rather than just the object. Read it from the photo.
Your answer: 8:04:02
